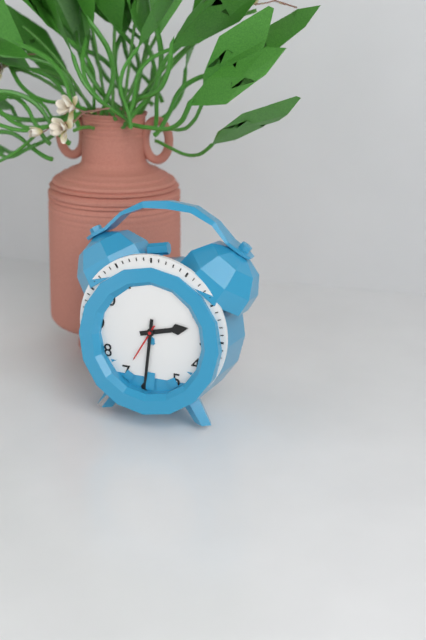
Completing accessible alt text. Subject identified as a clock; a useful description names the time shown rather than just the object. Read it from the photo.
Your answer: 2:31
